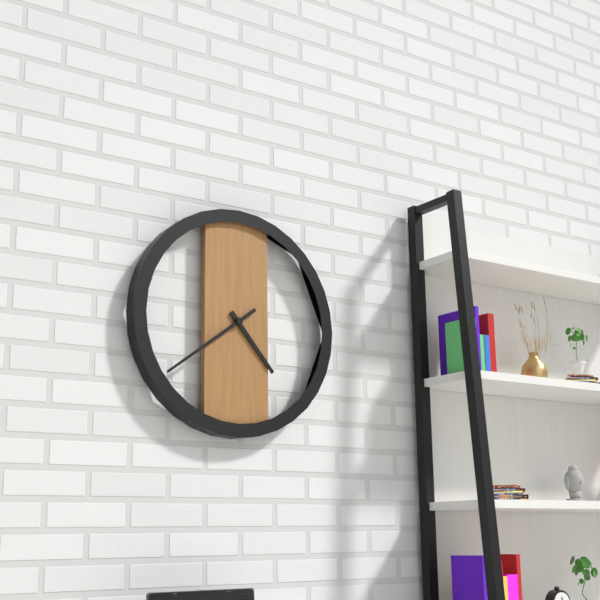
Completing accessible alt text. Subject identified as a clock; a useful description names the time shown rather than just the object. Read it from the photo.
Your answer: 4:39
